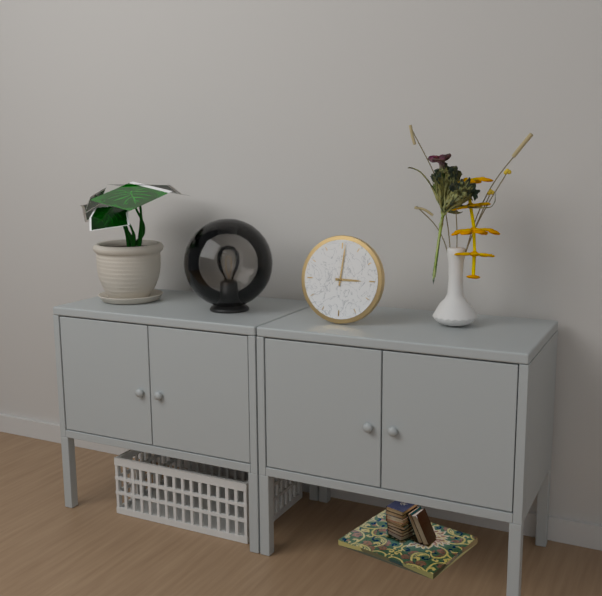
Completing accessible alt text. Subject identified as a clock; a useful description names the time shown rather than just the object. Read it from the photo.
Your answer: 3:01
